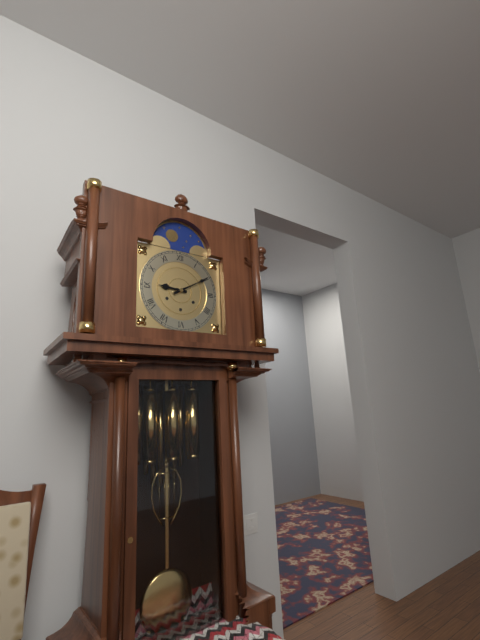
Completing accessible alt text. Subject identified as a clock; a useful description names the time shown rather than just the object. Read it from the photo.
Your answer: 9:10
